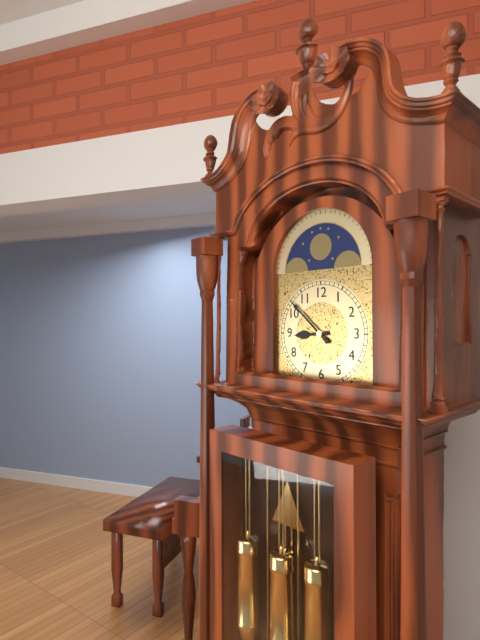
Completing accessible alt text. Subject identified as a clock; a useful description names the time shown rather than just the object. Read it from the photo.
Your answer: 8:52
